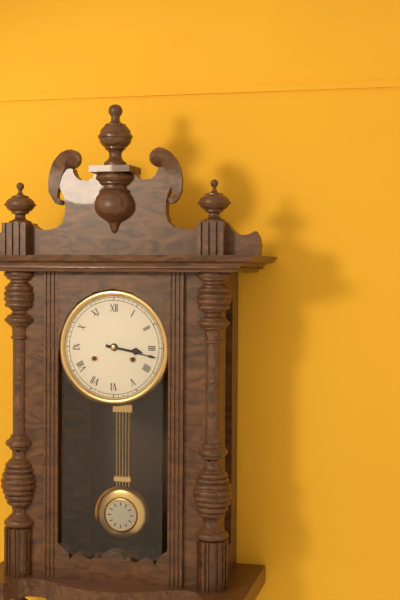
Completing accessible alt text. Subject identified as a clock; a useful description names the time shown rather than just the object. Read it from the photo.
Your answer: 3:17
